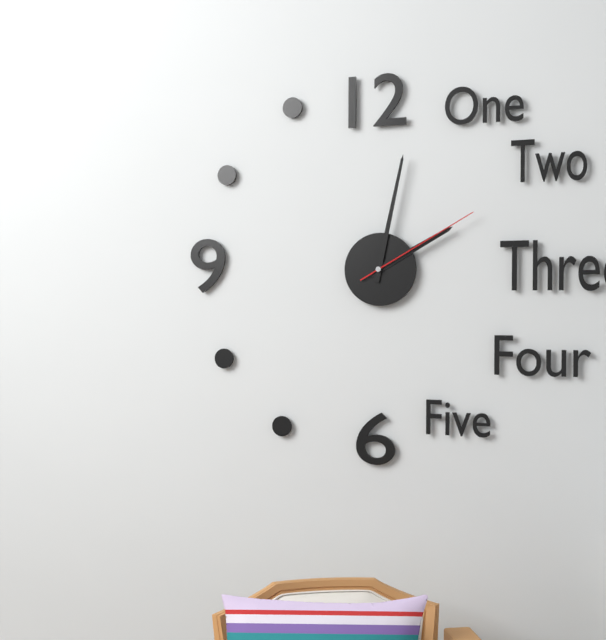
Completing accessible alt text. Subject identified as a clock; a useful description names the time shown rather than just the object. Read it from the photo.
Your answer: 2:02:10
